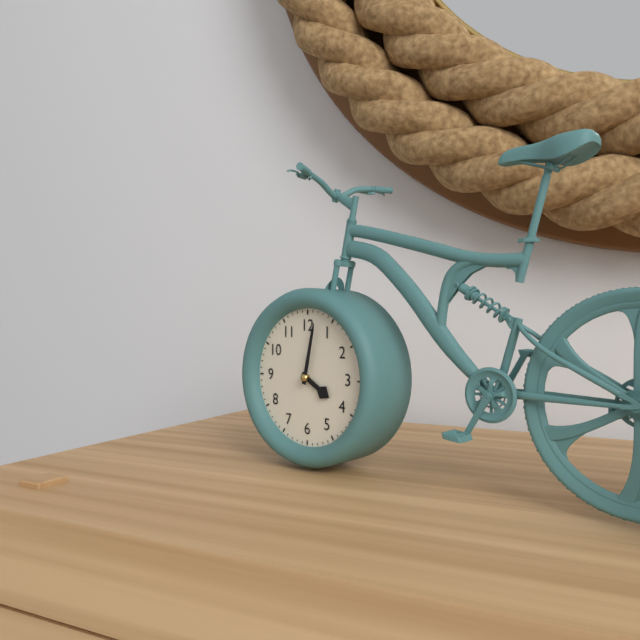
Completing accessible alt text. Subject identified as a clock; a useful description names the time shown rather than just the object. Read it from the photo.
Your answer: 4:02
